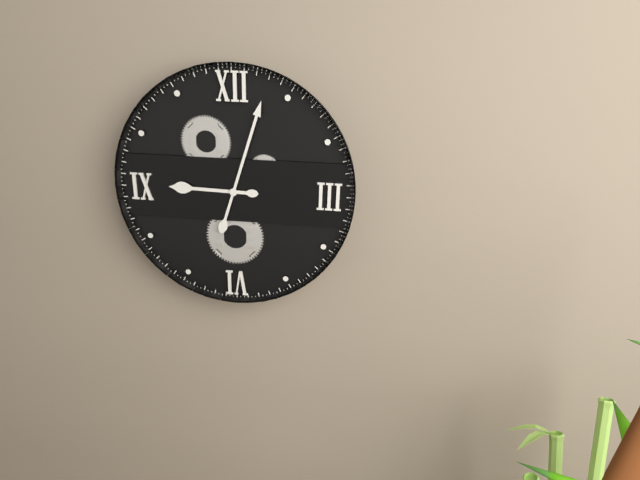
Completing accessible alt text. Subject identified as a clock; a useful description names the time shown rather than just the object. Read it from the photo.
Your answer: 9:03
